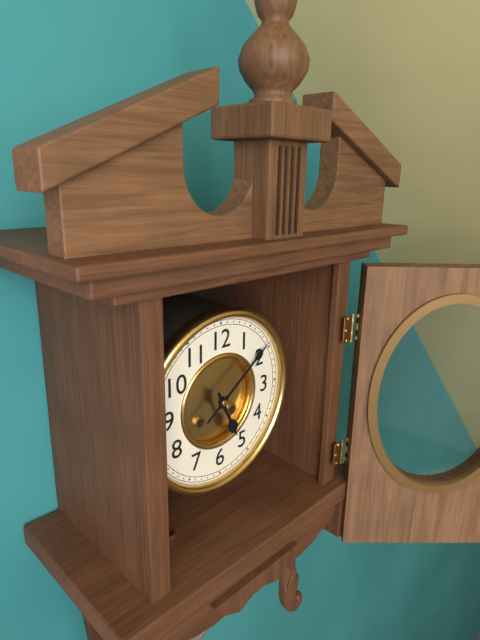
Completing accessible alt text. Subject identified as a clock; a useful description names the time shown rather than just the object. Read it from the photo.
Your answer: 5:09
